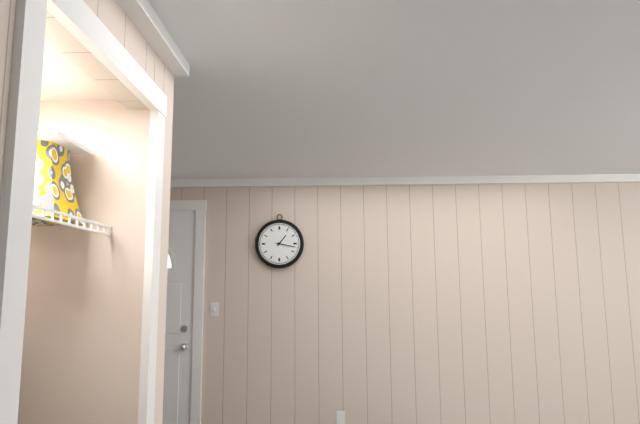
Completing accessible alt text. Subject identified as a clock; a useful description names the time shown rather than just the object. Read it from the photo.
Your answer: 1:17
